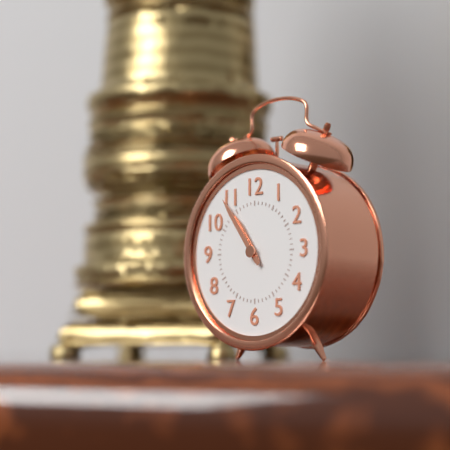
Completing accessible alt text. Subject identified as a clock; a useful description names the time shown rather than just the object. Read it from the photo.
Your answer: 10:54
